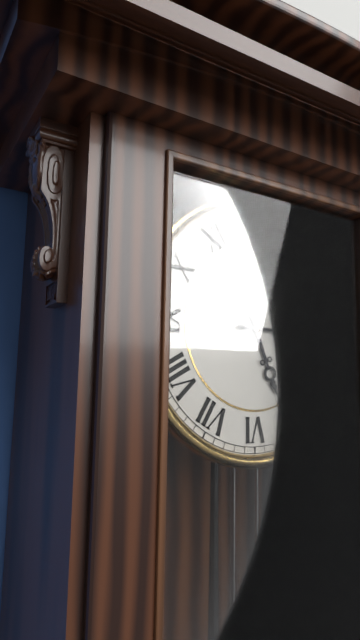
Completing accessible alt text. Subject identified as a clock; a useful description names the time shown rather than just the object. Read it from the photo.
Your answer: 5:15
